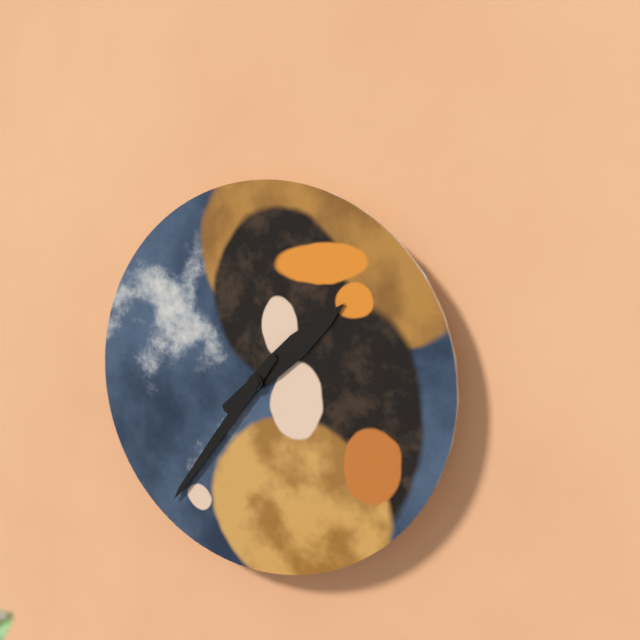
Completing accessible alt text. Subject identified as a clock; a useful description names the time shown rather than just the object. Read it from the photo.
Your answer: 1:36
